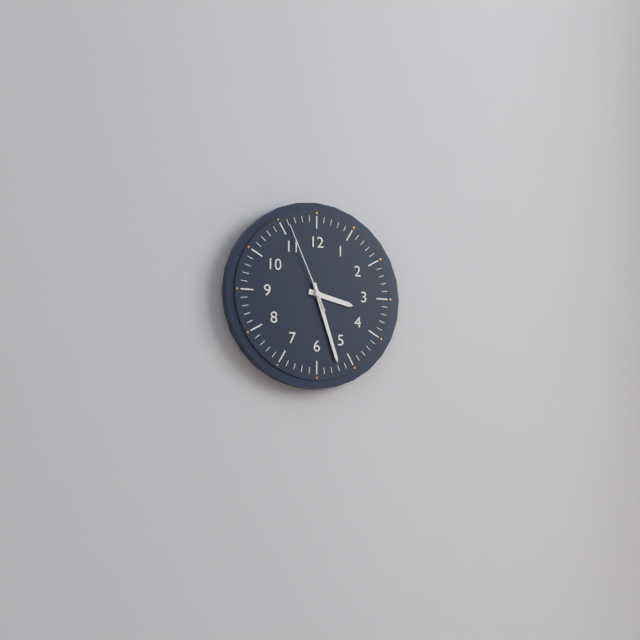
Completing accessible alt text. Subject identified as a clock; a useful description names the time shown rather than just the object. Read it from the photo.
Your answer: 3:27:56
